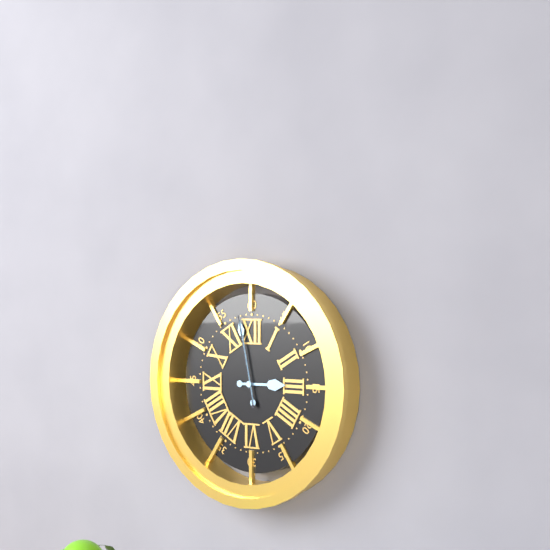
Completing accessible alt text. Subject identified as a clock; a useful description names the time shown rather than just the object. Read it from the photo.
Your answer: 2:58:58
